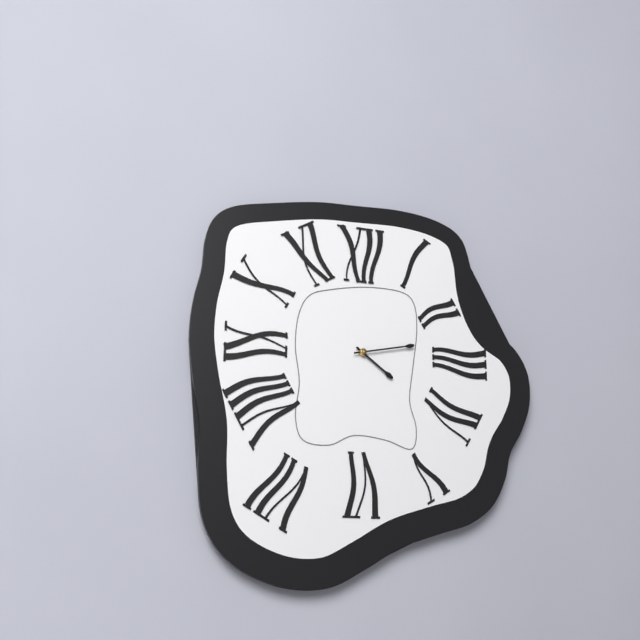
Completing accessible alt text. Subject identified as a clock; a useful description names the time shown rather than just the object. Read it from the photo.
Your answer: 4:13
